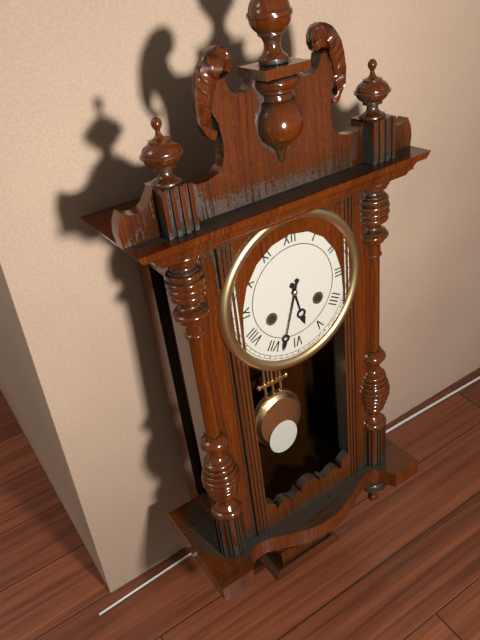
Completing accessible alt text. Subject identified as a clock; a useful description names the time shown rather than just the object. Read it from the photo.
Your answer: 5:33
